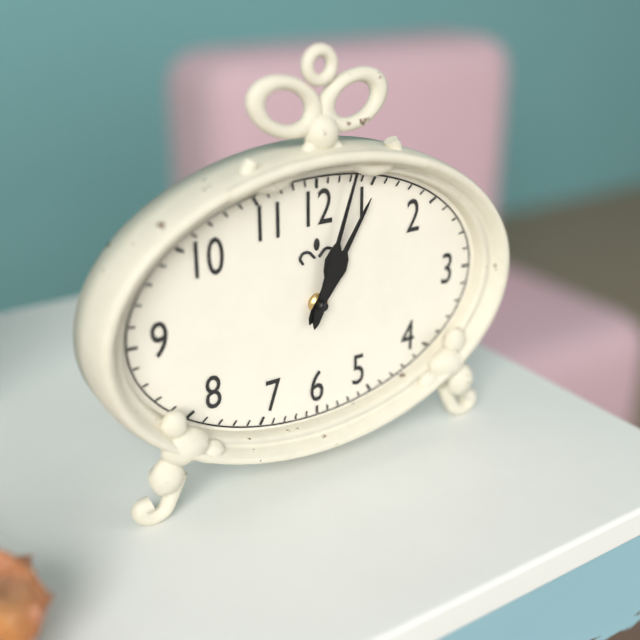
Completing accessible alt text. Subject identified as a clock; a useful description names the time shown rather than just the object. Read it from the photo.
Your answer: 1:03
